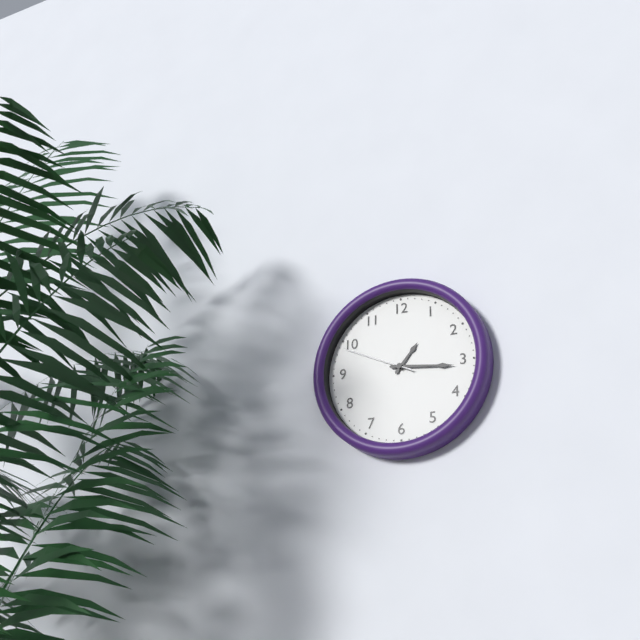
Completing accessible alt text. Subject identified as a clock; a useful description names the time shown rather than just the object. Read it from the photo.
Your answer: 1:16:49
